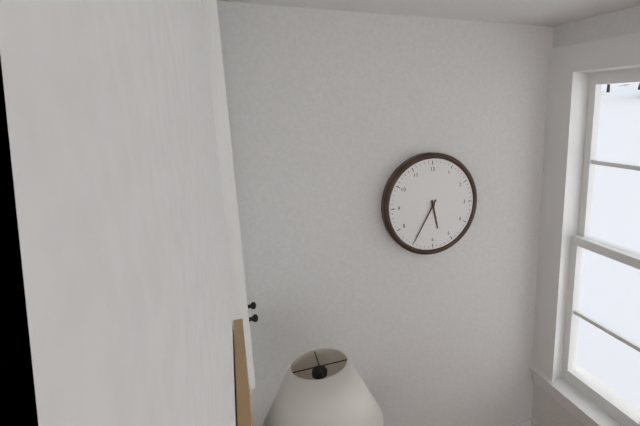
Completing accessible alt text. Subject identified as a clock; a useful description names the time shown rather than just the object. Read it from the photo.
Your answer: 5:35
